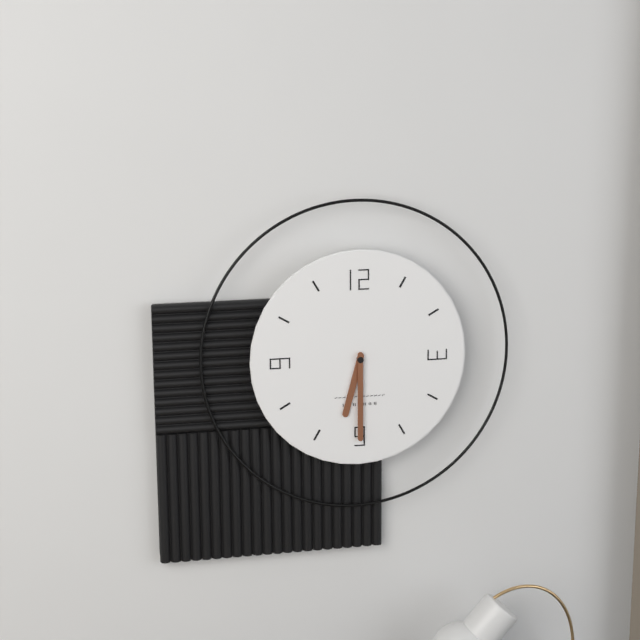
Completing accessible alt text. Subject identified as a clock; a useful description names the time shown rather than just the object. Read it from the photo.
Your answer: 6:30
